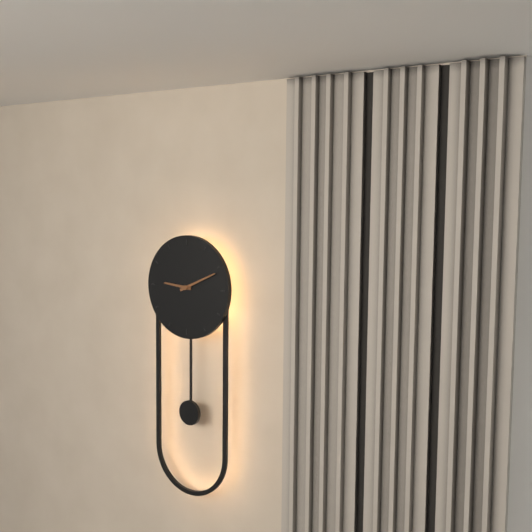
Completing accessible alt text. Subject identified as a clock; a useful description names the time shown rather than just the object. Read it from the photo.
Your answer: 9:11
